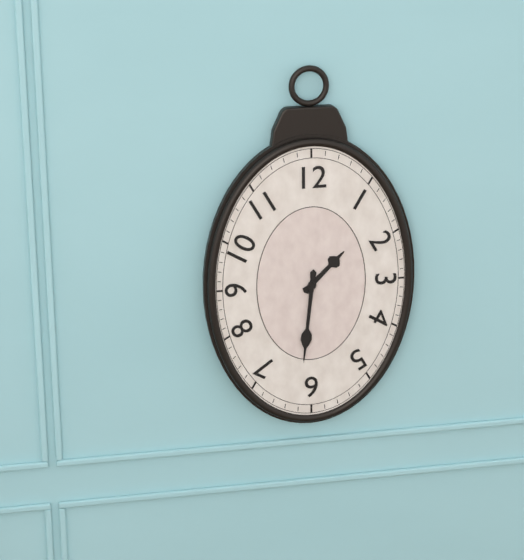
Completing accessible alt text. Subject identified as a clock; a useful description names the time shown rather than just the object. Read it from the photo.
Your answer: 1:31
